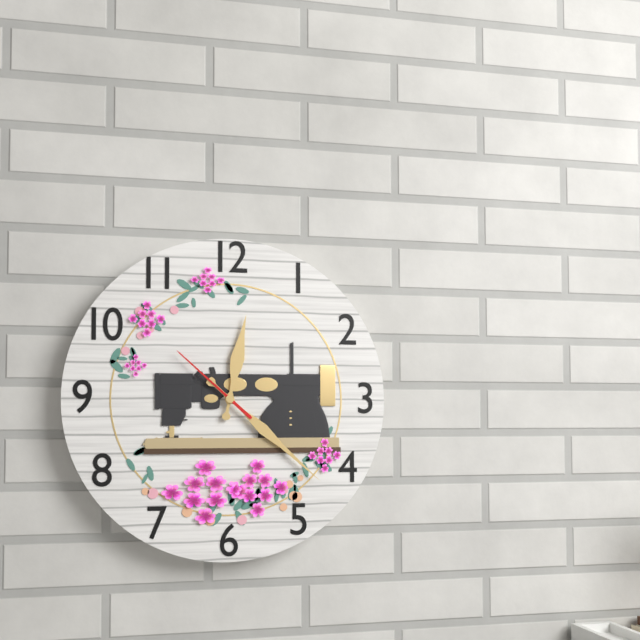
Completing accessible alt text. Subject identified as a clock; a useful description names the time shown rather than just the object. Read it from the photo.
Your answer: 12:22:52
